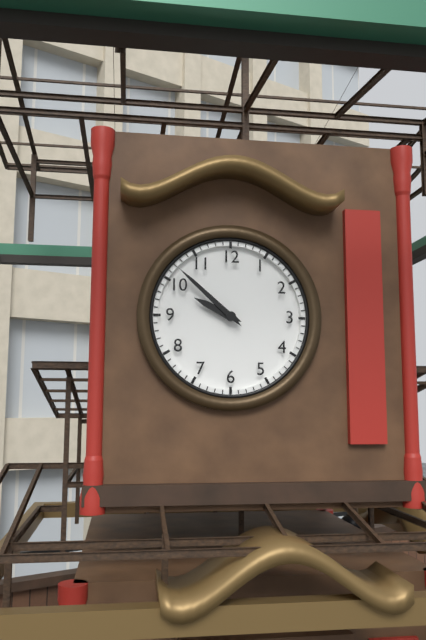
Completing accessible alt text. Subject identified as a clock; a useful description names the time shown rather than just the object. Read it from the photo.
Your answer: 9:52
